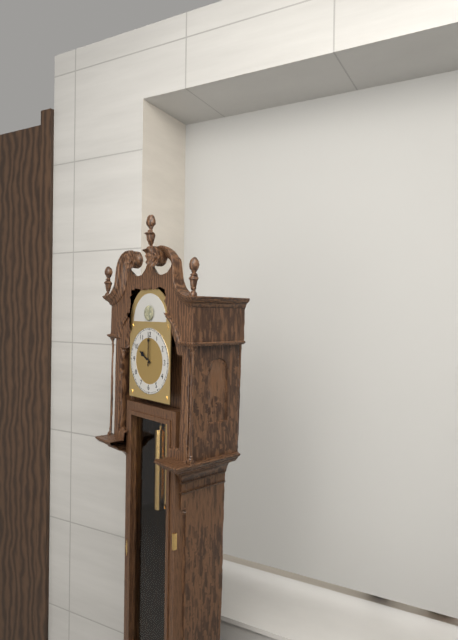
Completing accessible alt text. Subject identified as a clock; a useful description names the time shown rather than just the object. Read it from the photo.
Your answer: 10:00
